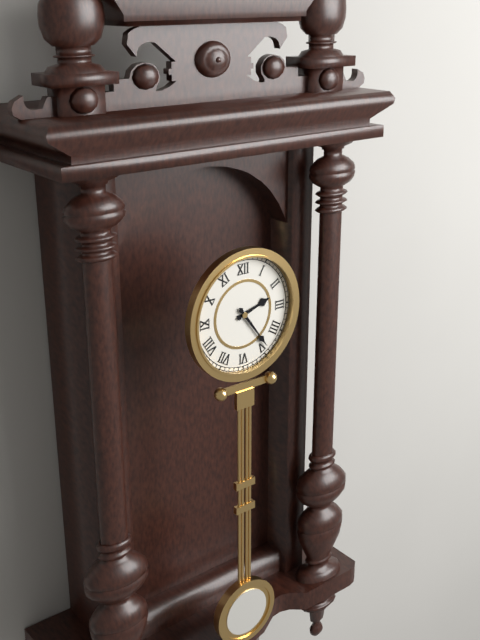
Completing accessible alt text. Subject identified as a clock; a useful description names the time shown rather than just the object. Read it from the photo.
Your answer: 2:24
